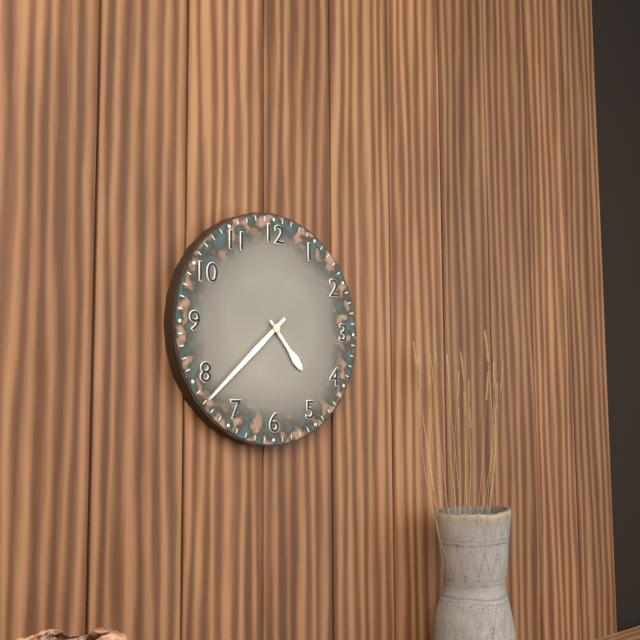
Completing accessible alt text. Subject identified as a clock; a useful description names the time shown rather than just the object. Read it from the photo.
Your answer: 4:38
